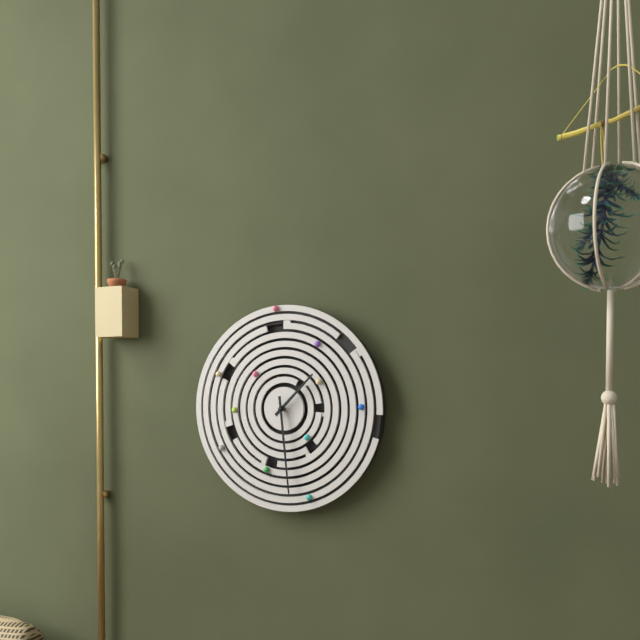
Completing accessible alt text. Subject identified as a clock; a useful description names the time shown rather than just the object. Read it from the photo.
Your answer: 1:29
